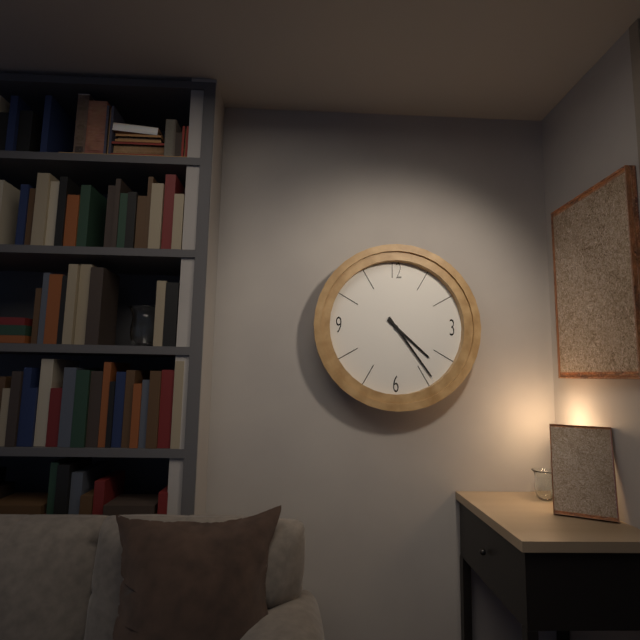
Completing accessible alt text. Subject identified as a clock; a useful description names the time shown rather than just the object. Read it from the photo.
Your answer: 4:24
